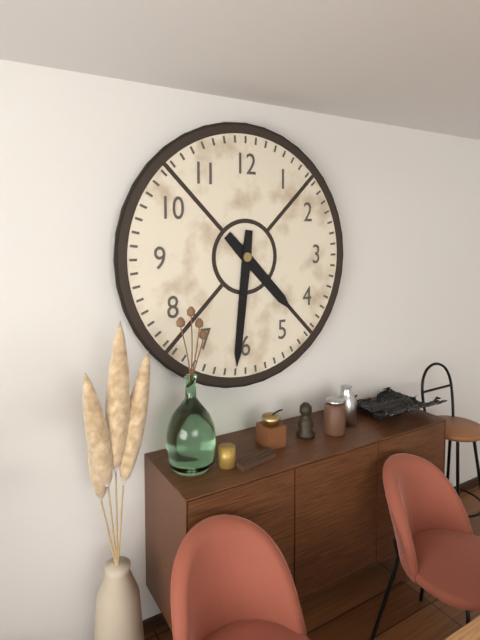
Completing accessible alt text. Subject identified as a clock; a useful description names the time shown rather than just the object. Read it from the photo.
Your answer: 4:31
